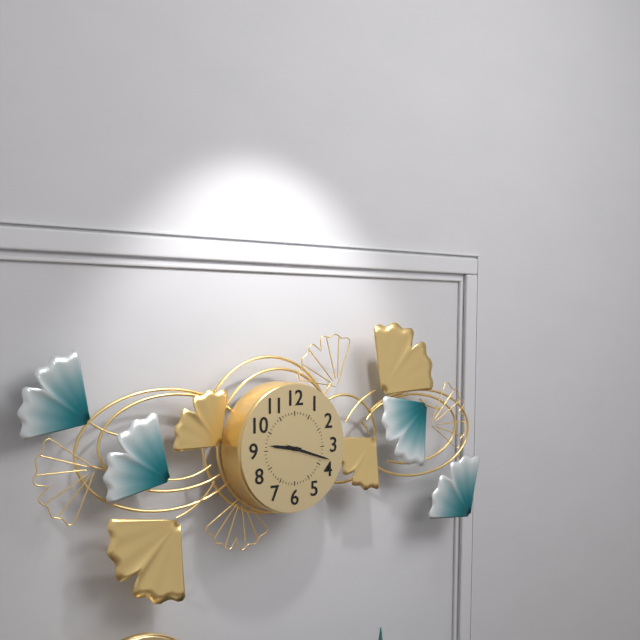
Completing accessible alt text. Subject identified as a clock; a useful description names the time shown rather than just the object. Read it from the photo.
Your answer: 9:18
